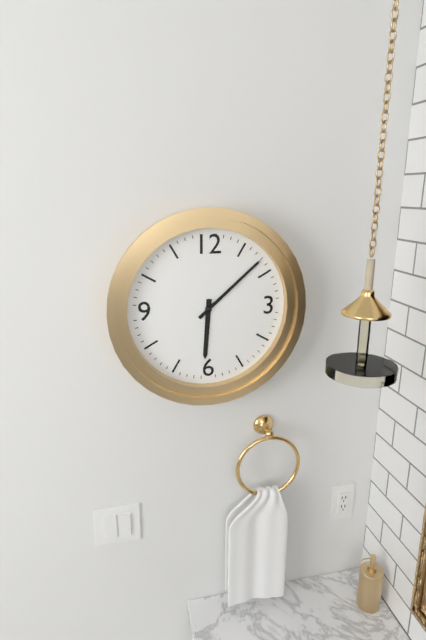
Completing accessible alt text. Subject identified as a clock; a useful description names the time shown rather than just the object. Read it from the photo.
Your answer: 6:08
